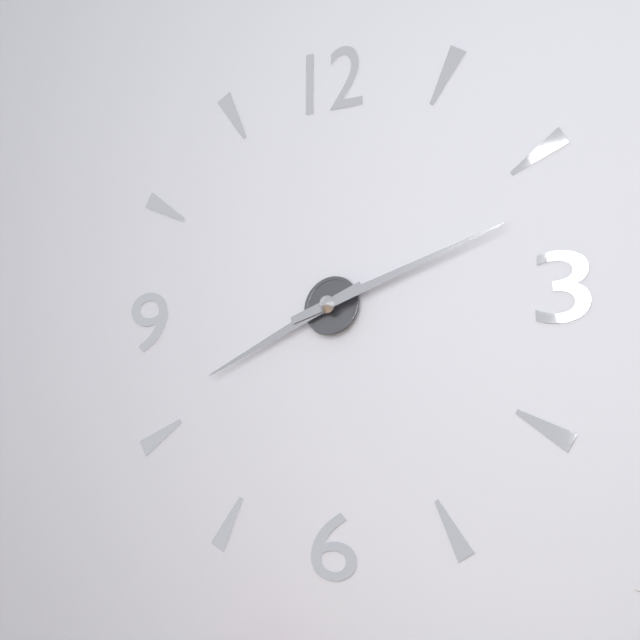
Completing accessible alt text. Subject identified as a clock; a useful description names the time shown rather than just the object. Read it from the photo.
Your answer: 8:12
